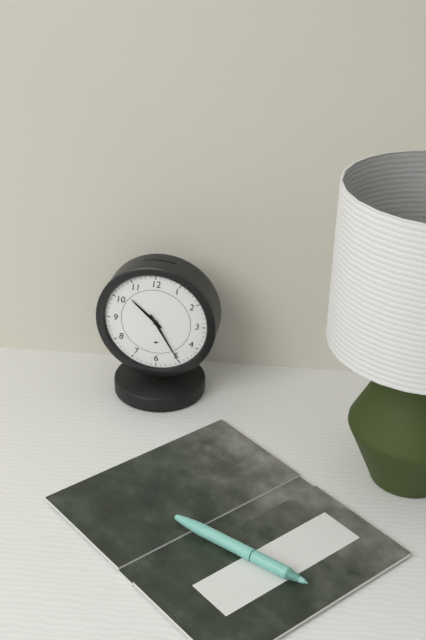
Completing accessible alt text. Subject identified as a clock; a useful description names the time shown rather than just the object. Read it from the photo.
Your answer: 10:25
